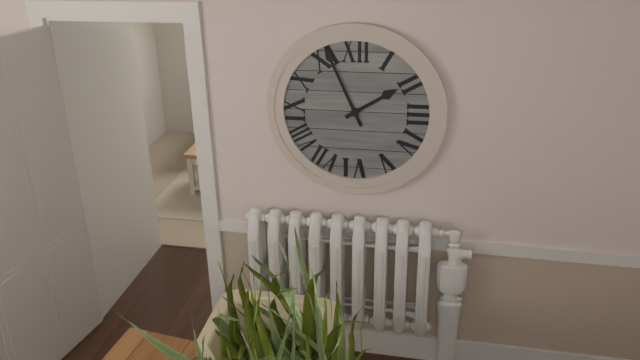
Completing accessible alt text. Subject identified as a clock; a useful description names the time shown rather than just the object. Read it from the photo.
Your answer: 1:56
